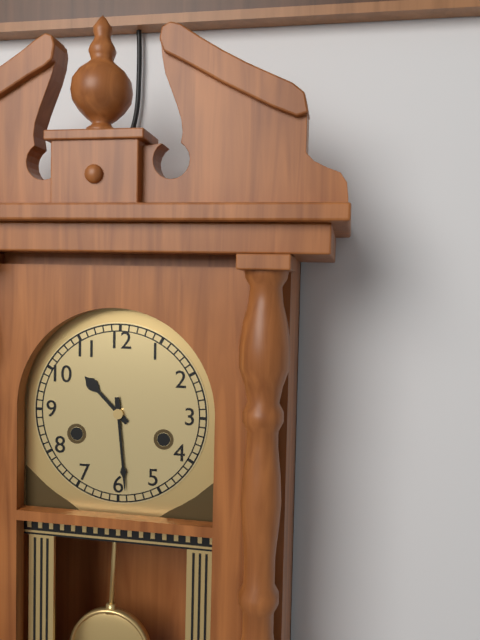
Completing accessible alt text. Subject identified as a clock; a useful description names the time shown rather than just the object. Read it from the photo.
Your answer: 10:29
